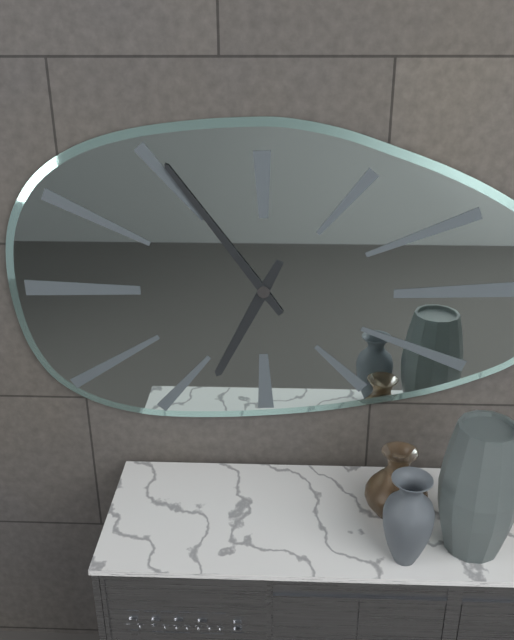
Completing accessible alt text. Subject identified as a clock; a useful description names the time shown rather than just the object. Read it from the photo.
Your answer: 6:54
